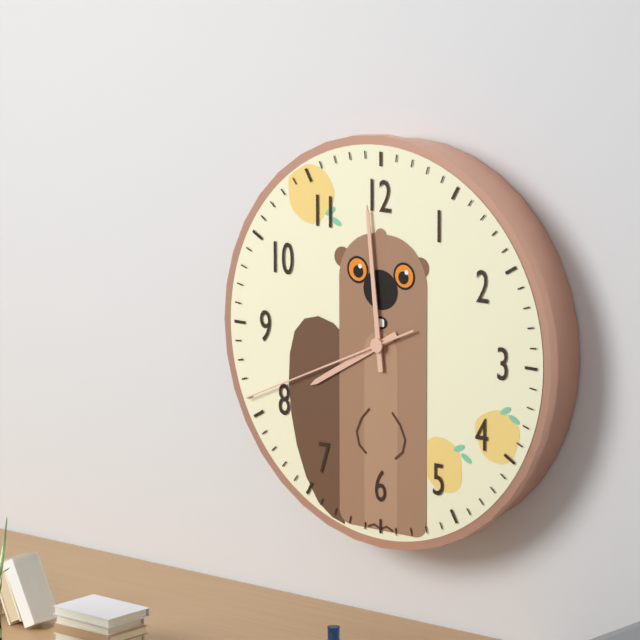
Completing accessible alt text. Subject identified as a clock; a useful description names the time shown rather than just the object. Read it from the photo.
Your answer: 7:59:41
